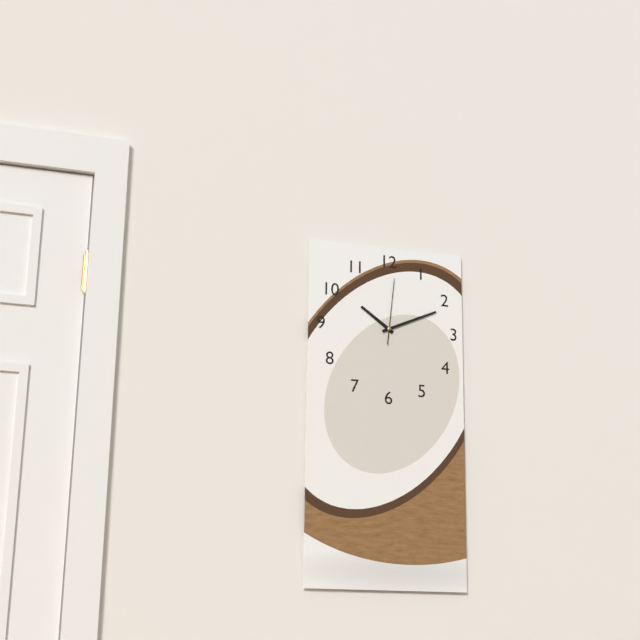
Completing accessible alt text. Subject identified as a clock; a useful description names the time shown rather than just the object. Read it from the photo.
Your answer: 10:11:01
